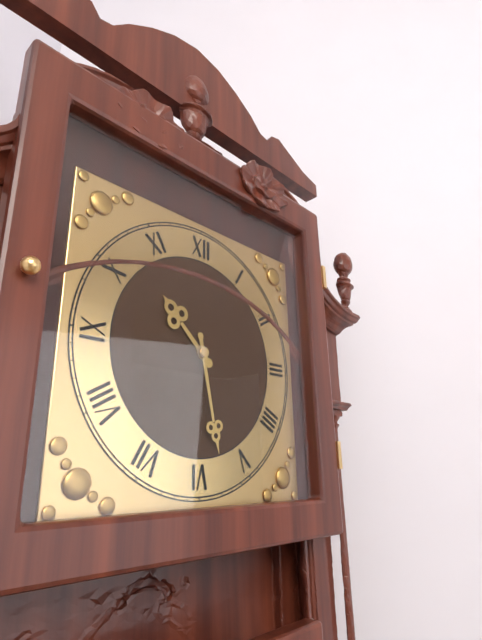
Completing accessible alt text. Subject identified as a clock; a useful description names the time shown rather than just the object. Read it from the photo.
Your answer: 10:28
